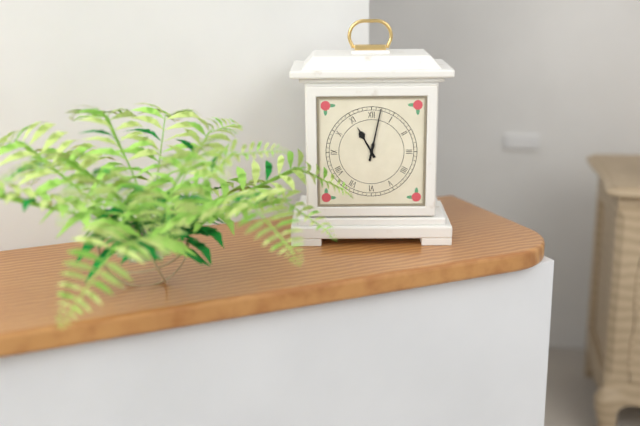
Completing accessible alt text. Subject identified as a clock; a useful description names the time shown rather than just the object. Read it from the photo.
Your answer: 11:02
